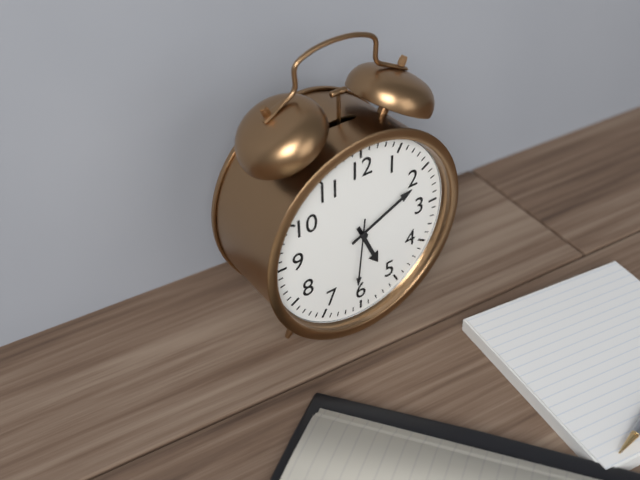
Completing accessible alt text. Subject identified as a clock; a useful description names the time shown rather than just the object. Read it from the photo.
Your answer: 5:11:31
